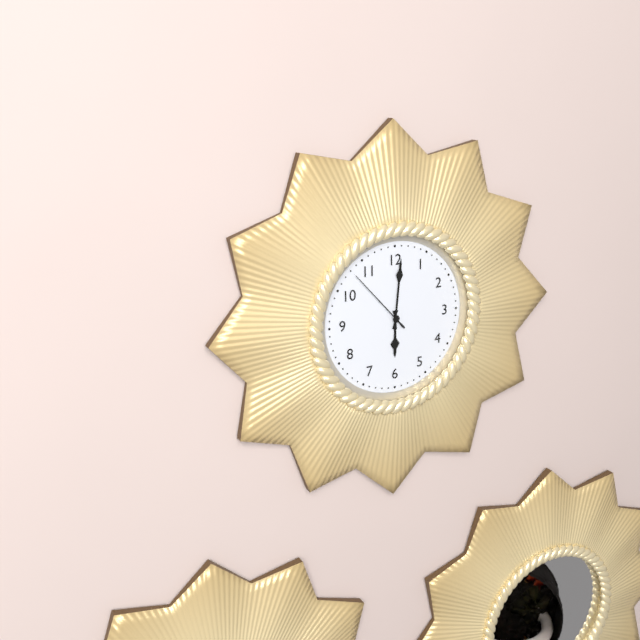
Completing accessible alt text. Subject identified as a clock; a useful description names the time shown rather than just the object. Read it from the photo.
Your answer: 6:01:53
